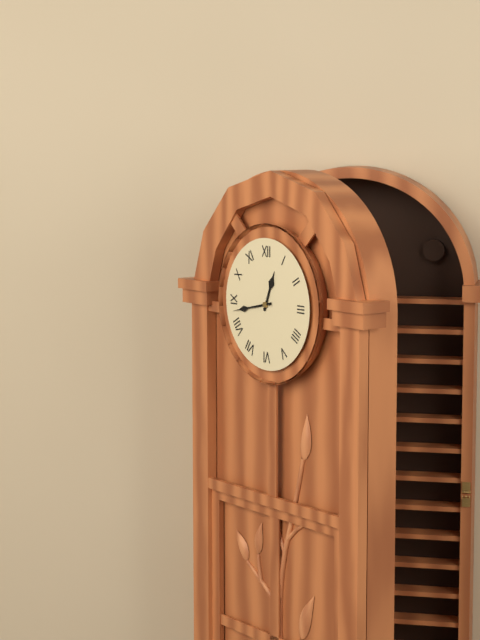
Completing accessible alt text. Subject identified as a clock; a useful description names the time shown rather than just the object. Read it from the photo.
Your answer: 12:43
